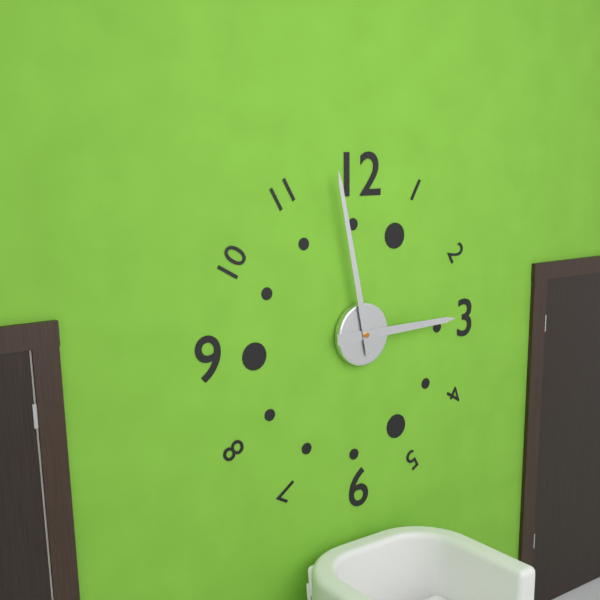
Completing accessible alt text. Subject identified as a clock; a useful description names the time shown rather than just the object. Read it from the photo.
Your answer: 2:58
